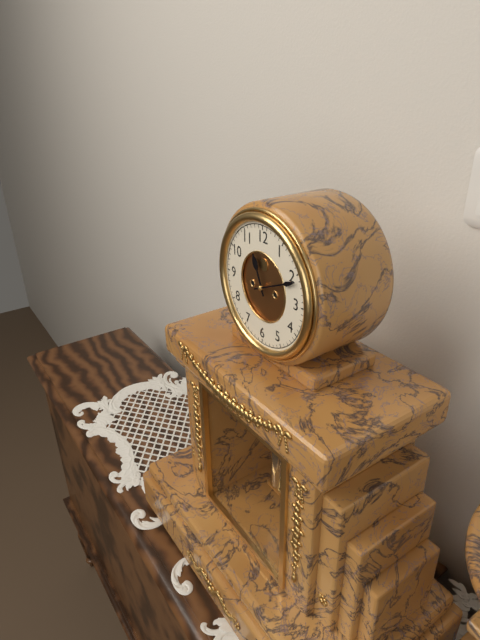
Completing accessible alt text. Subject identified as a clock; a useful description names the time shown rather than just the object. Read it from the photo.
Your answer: 11:11
